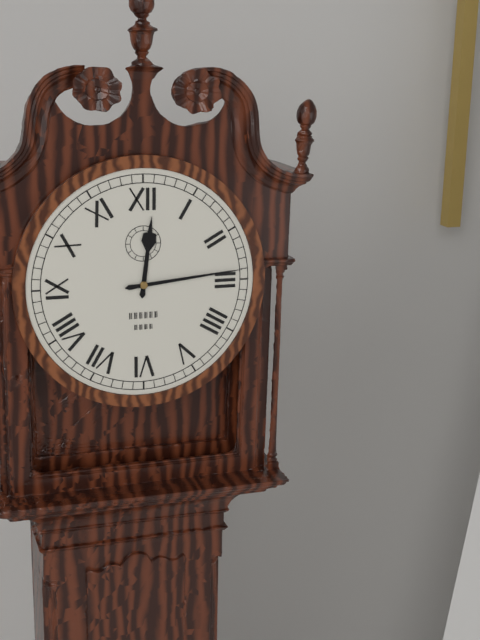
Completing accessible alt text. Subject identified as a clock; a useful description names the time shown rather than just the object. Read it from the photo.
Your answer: 12:14
